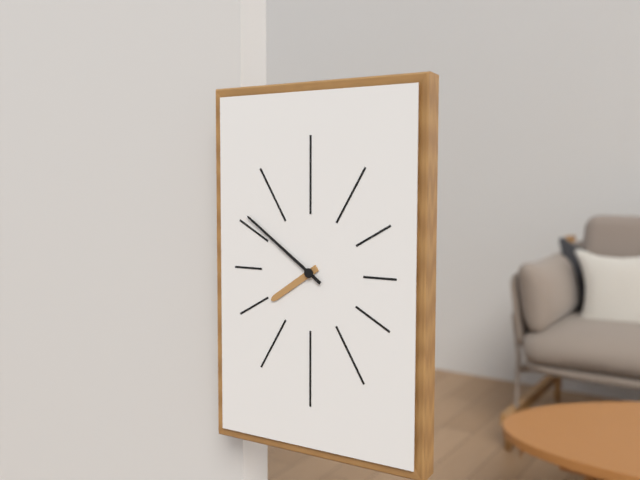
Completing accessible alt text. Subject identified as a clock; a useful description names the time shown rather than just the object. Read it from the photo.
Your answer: 7:51
